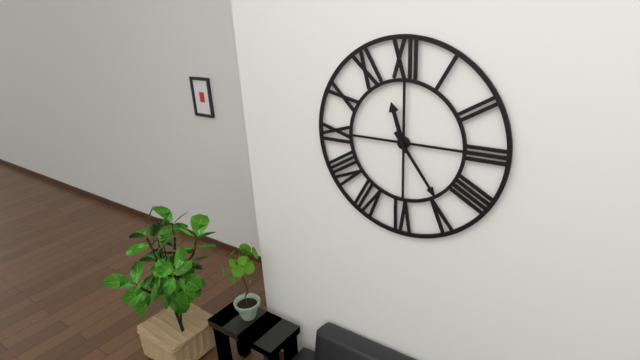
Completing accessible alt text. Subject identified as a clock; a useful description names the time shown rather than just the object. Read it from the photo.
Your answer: 11:24
